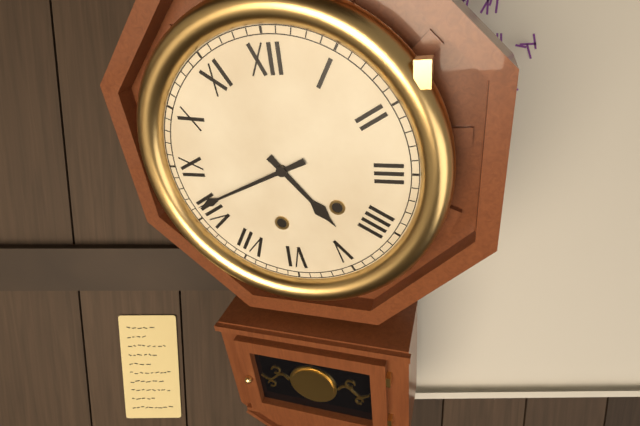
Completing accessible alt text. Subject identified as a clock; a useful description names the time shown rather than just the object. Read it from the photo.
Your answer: 4:41
